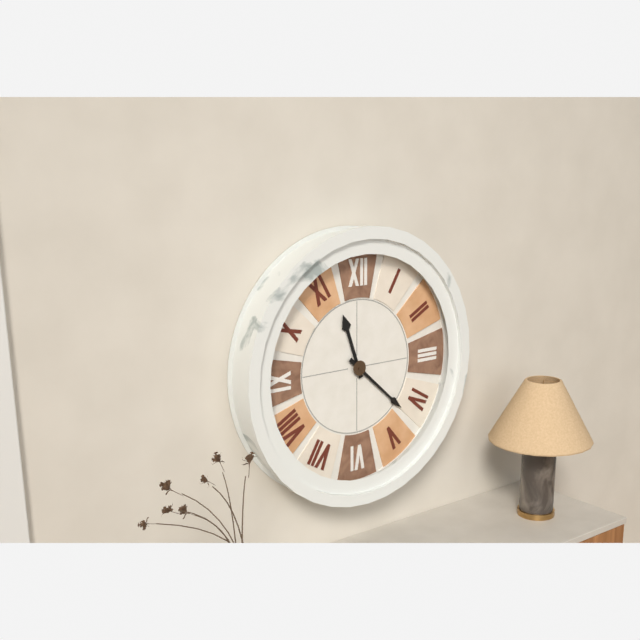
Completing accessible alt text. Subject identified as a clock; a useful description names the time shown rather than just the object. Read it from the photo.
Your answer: 11:22
